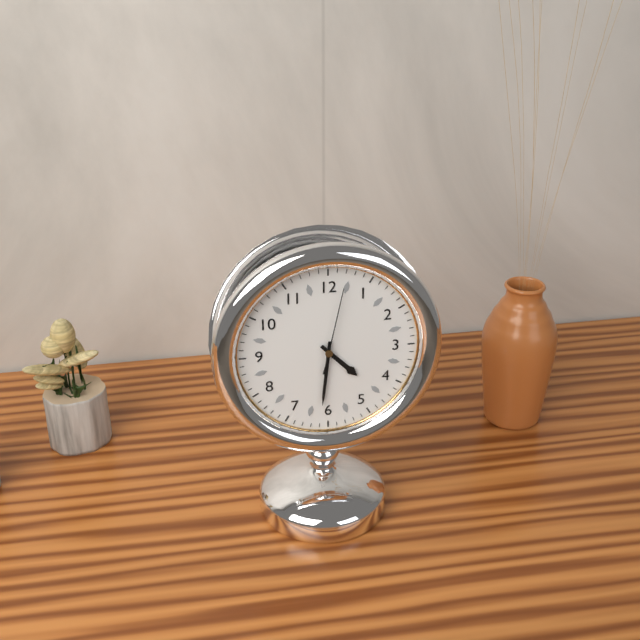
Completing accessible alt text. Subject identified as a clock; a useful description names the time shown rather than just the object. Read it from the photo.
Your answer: 4:31:02
